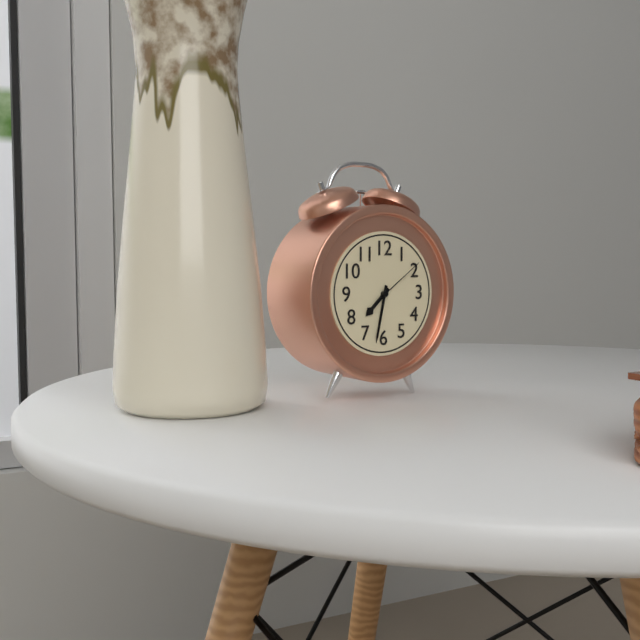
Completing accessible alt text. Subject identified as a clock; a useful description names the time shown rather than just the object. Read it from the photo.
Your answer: 7:32:09
